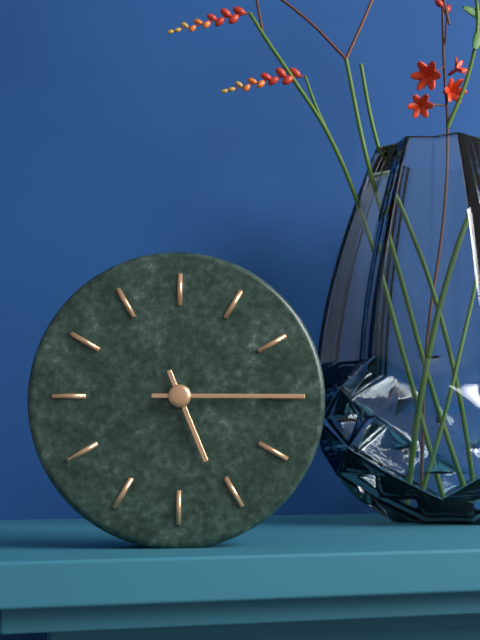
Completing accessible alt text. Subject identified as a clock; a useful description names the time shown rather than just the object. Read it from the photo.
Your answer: 5:15
